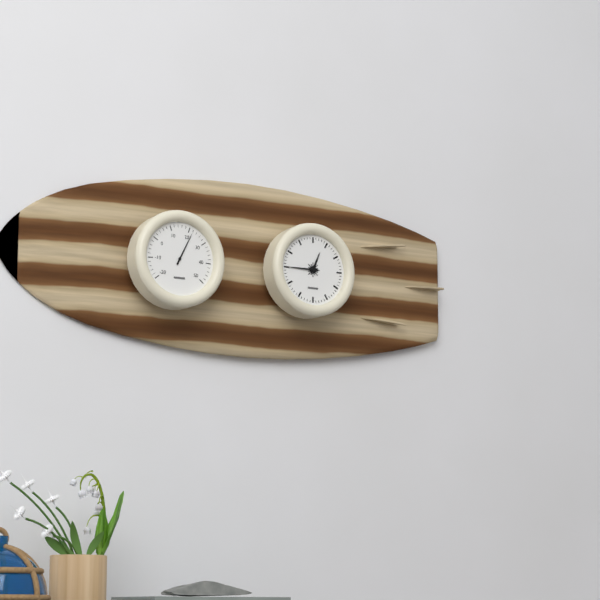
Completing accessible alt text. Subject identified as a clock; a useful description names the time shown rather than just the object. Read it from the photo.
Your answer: 12:45
